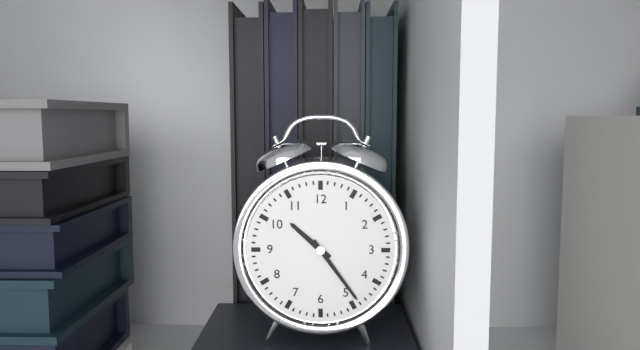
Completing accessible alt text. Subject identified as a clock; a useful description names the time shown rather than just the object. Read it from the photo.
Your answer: 10:24
